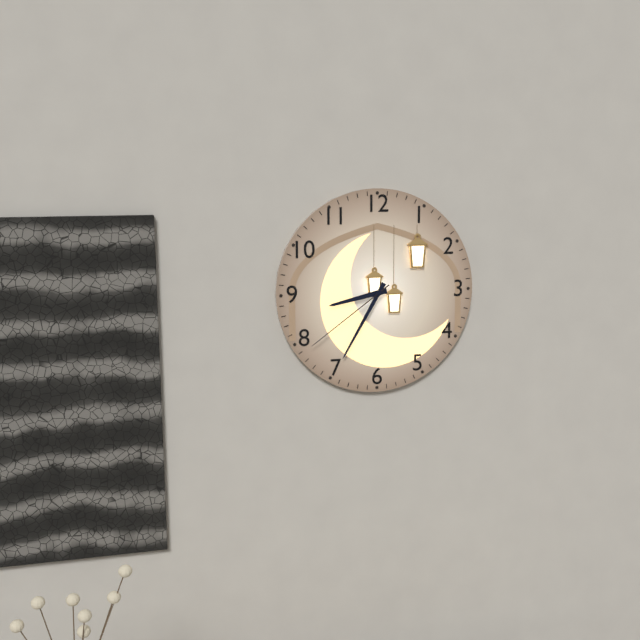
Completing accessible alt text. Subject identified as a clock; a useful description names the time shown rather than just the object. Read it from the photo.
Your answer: 8:35:39
